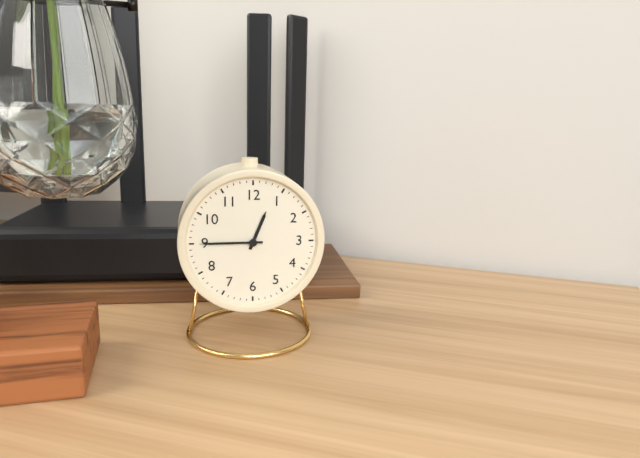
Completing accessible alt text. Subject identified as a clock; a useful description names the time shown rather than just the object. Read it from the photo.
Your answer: 12:45
